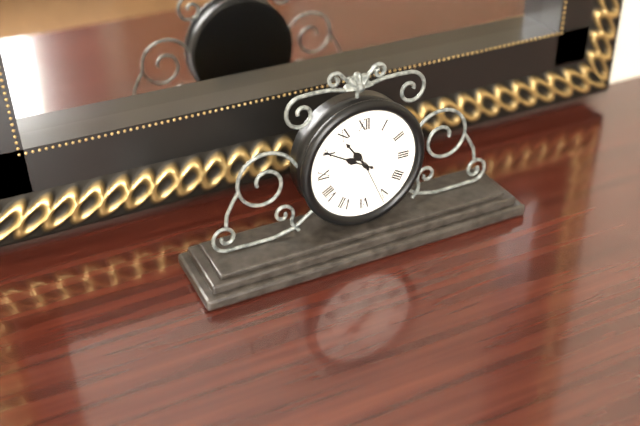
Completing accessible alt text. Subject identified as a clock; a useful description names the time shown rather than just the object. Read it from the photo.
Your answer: 10:50:26
